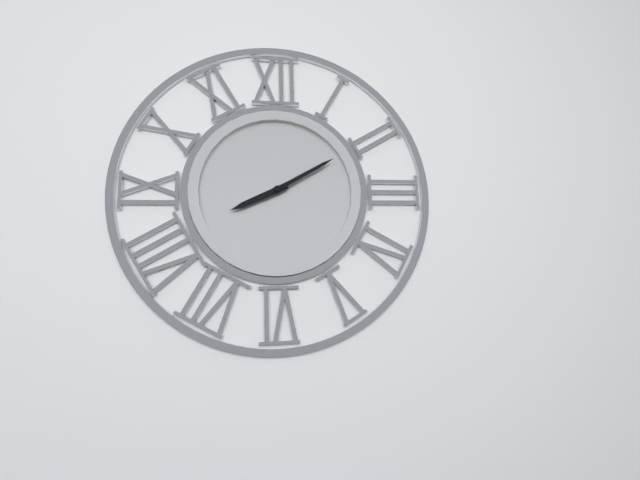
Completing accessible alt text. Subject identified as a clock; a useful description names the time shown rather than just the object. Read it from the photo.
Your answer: 8:10
